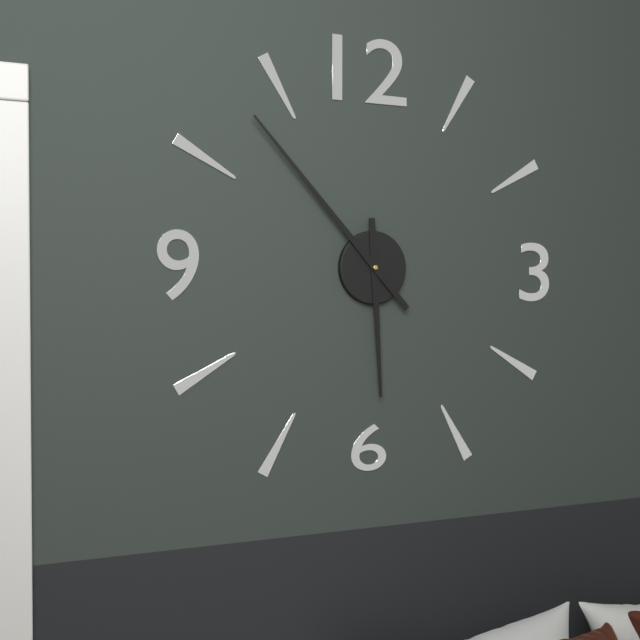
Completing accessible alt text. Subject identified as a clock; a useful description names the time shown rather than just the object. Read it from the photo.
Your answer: 5:53
